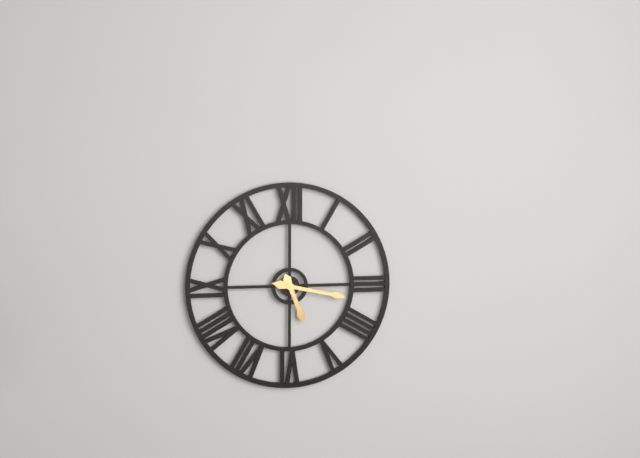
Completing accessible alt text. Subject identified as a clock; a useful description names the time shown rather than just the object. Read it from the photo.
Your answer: 5:17
